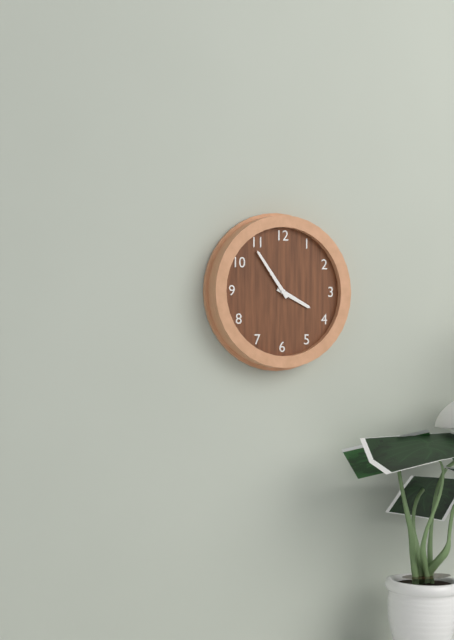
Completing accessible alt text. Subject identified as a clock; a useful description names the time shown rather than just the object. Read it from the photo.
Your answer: 3:54
